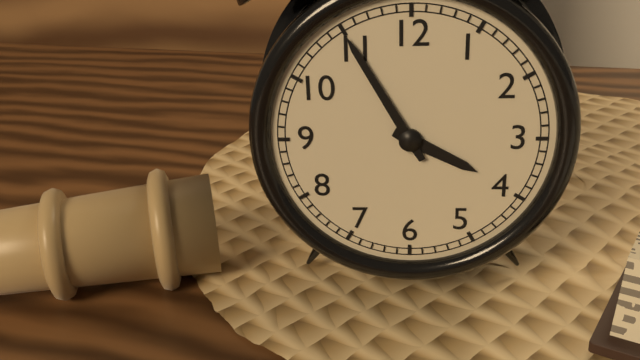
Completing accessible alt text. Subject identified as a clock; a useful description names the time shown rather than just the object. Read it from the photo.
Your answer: 3:55
